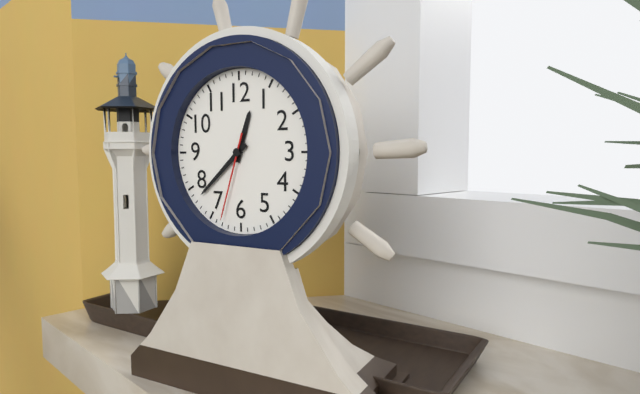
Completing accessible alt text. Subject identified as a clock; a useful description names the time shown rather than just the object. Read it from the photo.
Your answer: 12:38:33
